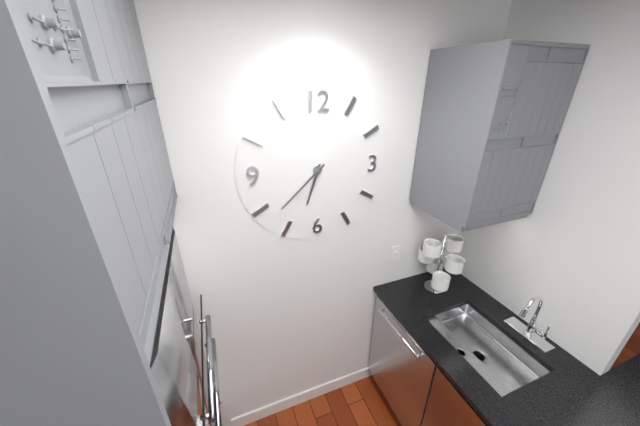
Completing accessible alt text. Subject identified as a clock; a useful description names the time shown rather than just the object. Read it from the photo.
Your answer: 6:38
